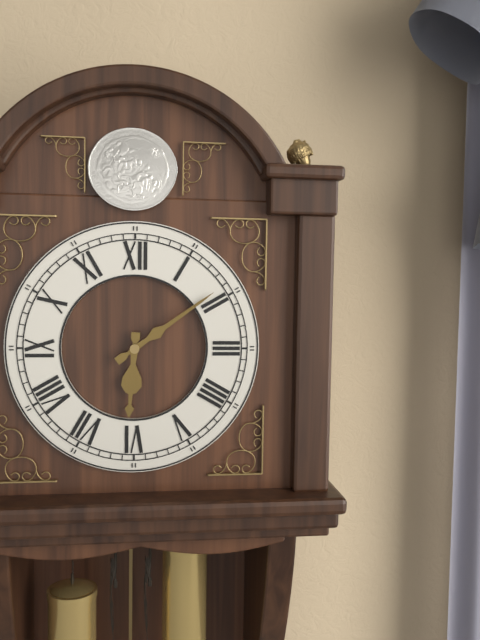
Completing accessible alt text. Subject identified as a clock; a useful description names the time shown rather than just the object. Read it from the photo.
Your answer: 6:09
